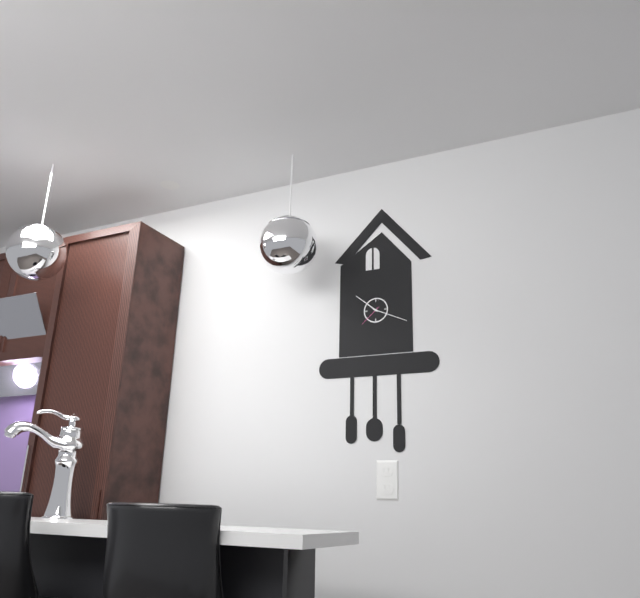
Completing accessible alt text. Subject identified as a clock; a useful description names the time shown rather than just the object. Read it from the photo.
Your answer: 10:19
